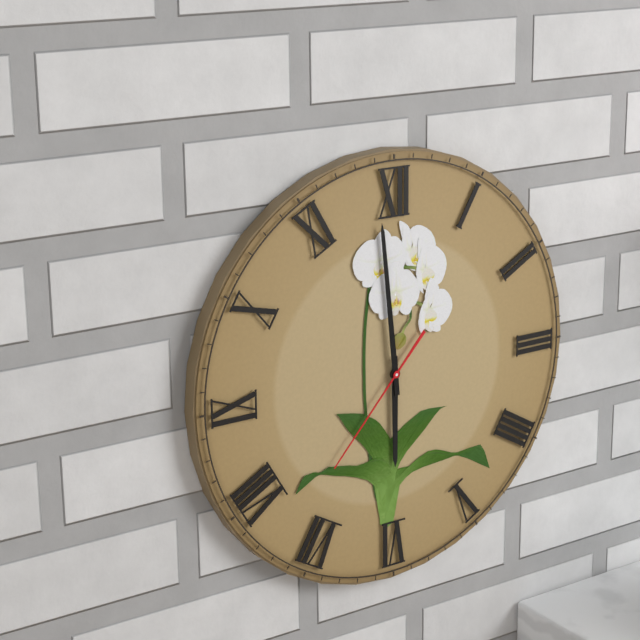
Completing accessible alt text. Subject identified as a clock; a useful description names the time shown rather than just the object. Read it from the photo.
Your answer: 5:59:37
